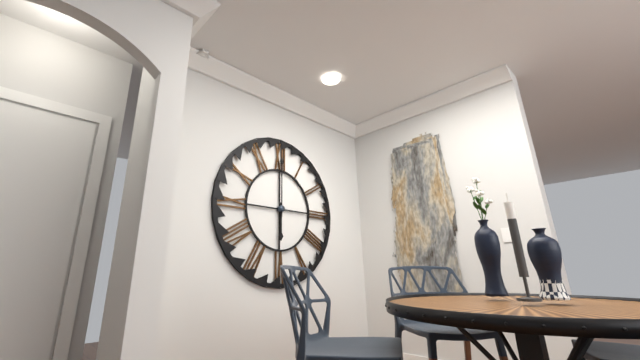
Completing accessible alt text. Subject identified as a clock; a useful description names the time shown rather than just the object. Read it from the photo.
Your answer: 6:00
